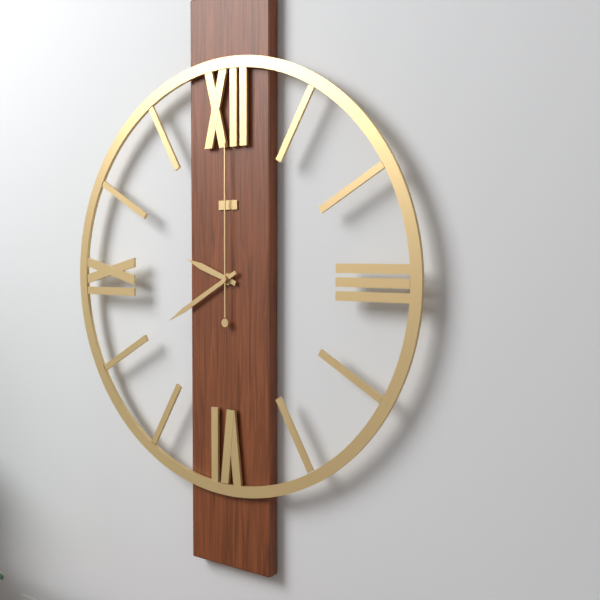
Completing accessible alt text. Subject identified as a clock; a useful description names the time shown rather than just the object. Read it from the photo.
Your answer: 9:40:00
